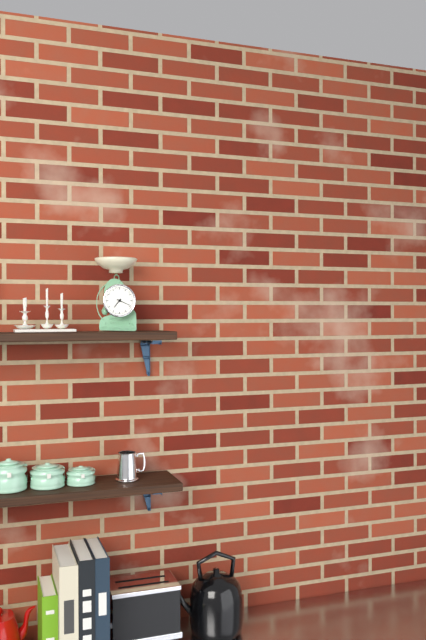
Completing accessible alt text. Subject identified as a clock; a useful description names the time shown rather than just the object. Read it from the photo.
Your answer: 7:19
